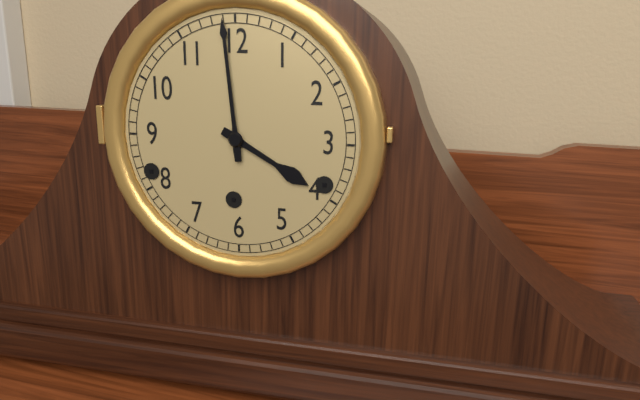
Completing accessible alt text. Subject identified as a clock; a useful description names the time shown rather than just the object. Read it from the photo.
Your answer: 3:59
